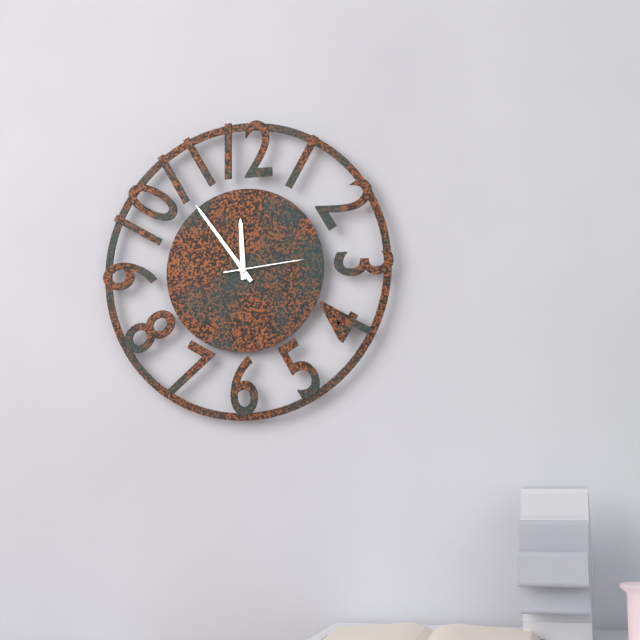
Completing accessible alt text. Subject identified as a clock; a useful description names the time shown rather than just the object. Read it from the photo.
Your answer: 11:54:14
